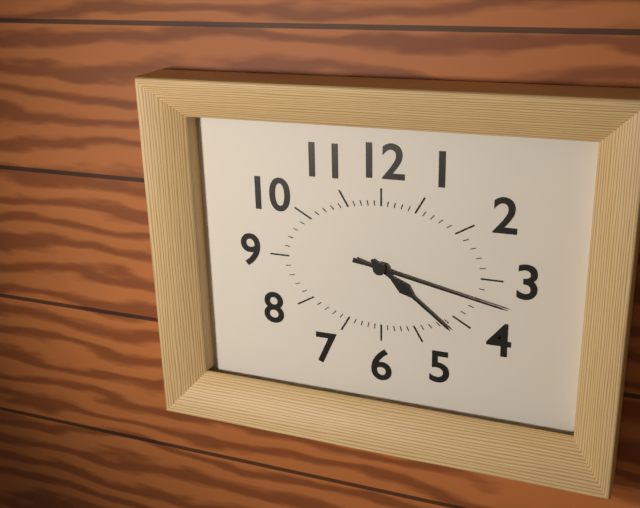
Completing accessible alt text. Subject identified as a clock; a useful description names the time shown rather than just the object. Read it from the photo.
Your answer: 4:17
